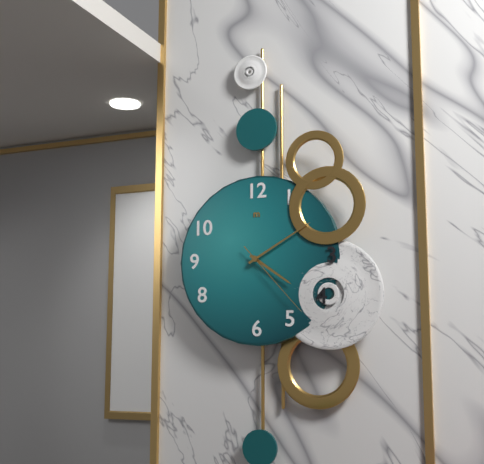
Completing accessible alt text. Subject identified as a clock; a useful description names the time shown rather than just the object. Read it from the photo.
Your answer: 4:10:23
